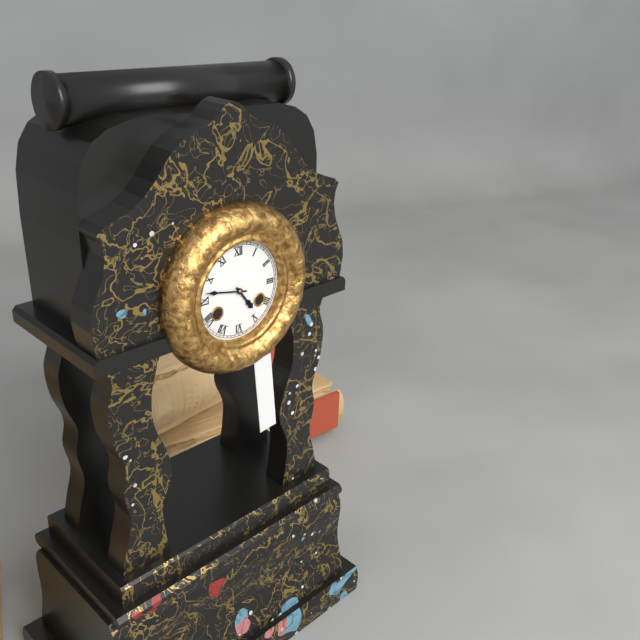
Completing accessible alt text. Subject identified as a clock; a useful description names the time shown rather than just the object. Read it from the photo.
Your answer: 4:47
